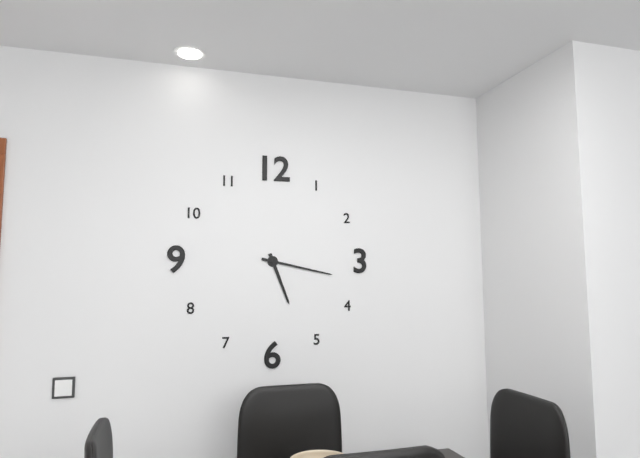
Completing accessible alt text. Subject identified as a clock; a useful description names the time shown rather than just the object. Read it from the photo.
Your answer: 5:17
